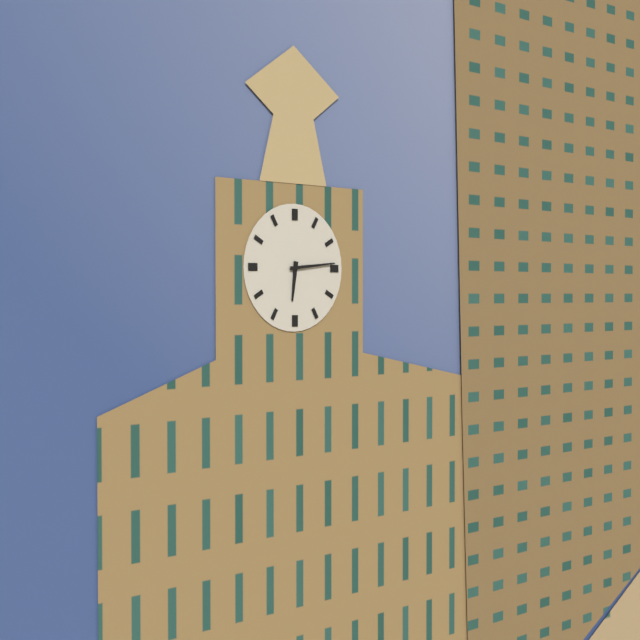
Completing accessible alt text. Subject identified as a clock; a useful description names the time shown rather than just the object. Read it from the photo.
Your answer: 6:14
